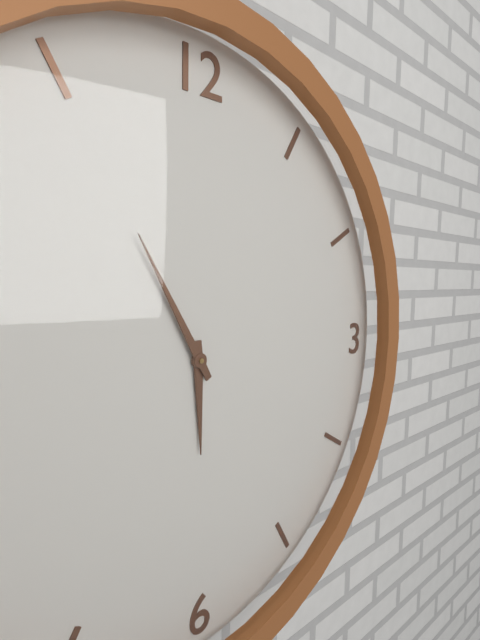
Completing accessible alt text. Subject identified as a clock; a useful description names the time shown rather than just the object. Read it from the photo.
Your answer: 5:55
